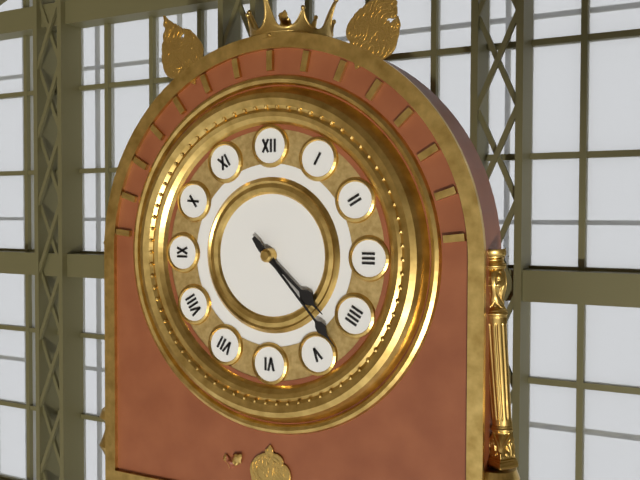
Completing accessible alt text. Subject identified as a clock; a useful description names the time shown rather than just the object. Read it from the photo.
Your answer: 4:23
